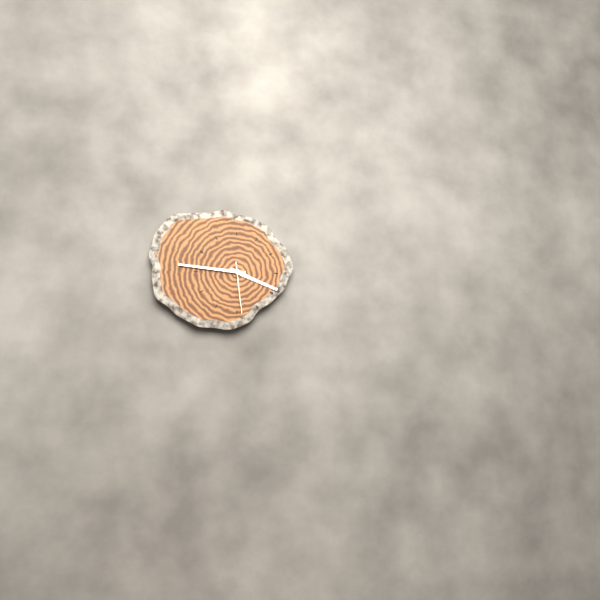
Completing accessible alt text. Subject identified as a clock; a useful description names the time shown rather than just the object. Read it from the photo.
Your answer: 3:46
